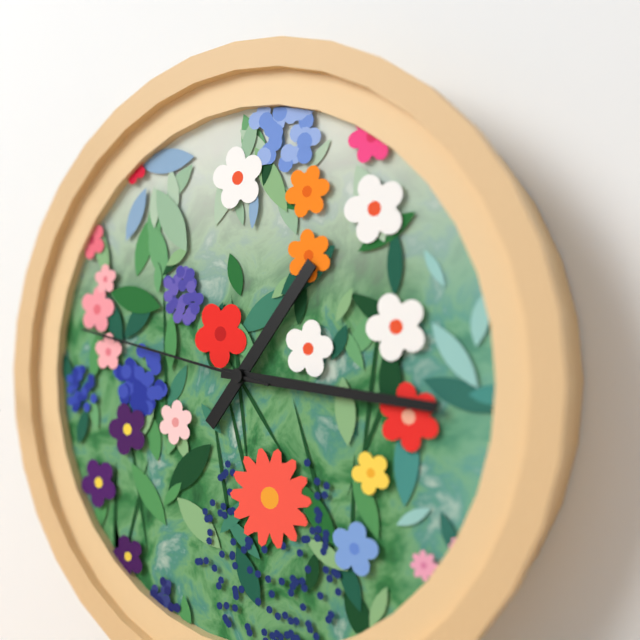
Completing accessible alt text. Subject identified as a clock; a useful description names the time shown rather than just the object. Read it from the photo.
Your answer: 1:16:47
